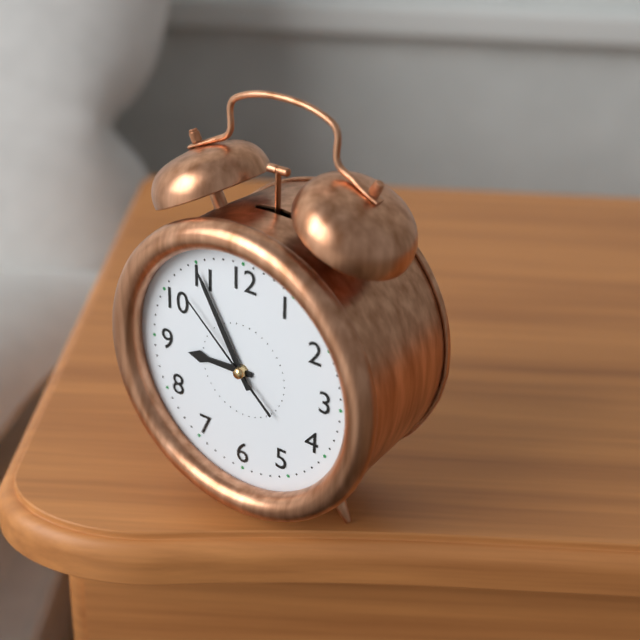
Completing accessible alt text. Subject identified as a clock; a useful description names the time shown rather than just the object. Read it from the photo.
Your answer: 8:55:52
